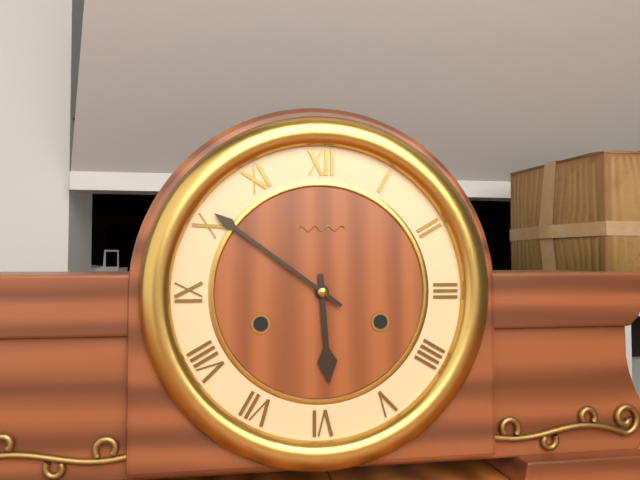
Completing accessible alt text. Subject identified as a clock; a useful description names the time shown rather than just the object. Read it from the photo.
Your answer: 5:51
